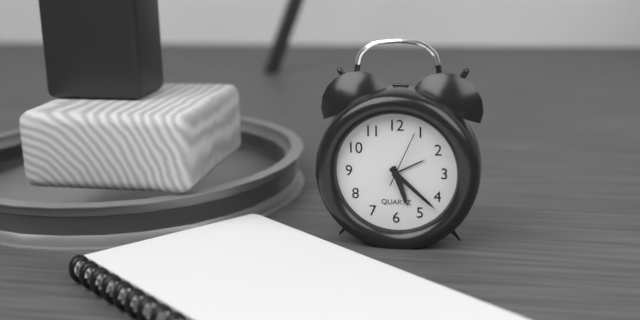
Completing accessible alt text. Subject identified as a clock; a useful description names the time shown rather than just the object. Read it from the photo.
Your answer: 5:22:04
